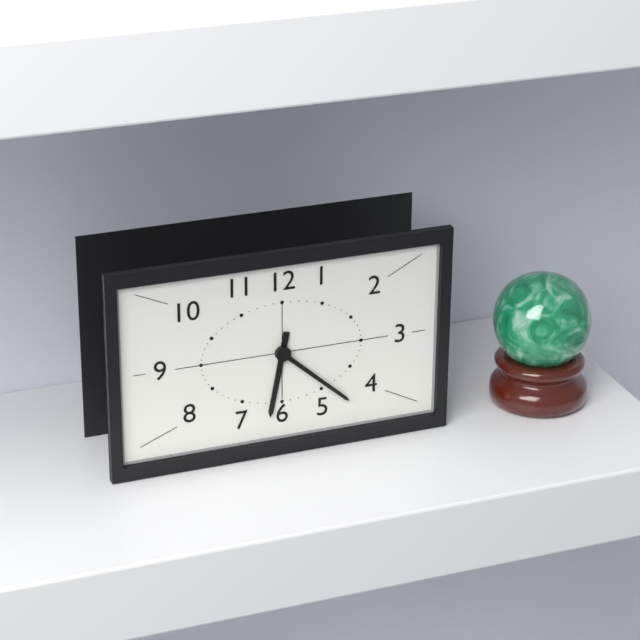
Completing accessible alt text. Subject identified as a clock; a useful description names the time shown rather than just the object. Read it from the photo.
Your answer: 6:22
